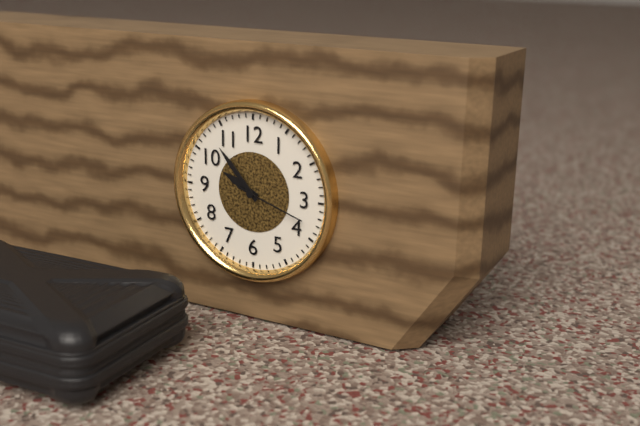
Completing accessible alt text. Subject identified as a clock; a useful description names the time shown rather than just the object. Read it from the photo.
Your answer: 9:53:18
